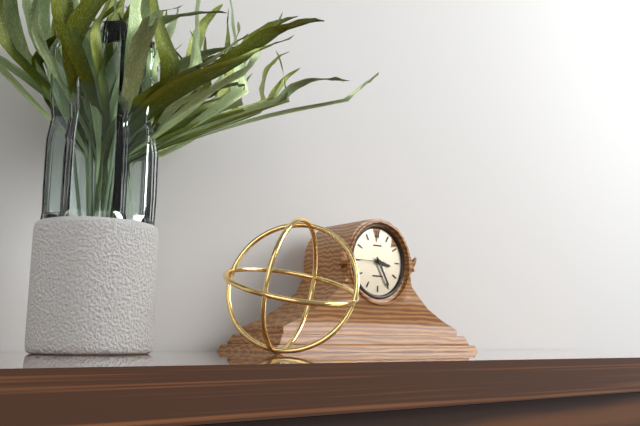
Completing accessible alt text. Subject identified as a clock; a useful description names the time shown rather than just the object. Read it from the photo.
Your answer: 3:25
